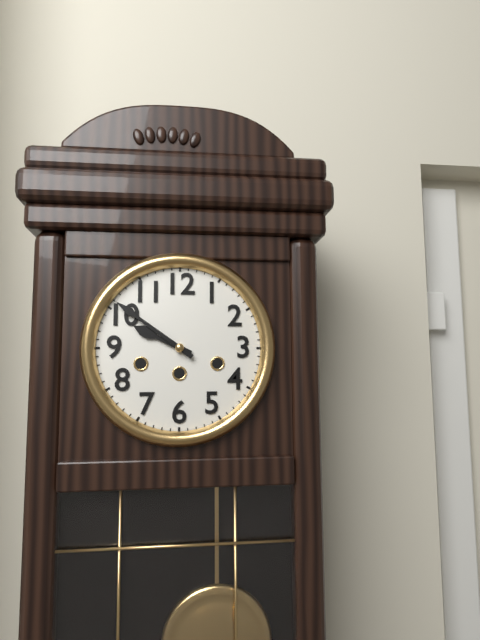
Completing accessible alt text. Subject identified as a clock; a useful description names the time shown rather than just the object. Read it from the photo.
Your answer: 9:51
